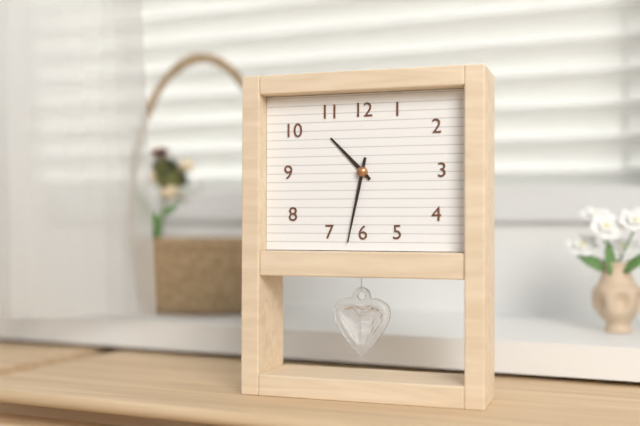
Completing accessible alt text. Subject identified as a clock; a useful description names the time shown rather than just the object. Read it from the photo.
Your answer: 10:32
